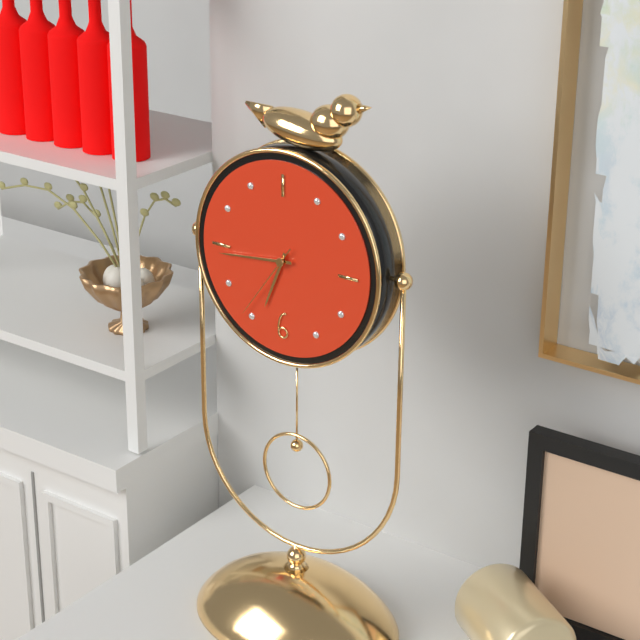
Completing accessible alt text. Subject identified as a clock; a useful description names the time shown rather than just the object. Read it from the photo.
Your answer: 6:44:36
